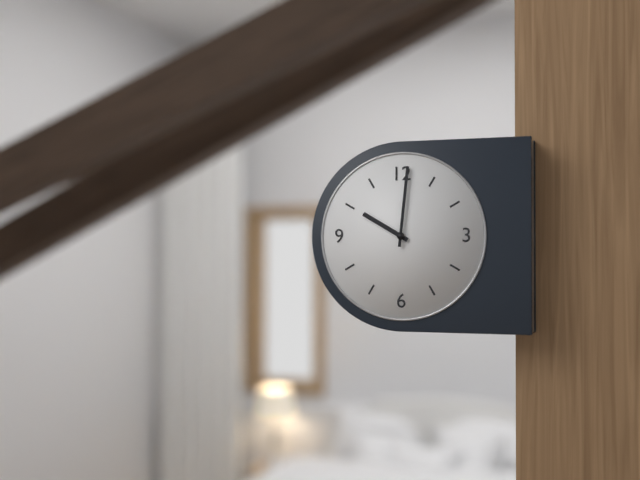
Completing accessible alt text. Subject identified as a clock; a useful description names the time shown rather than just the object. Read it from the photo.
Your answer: 10:01
